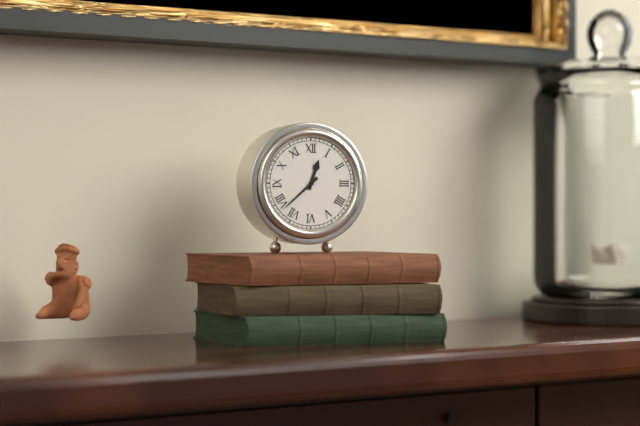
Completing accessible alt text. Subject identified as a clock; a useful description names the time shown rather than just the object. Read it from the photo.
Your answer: 12:38
